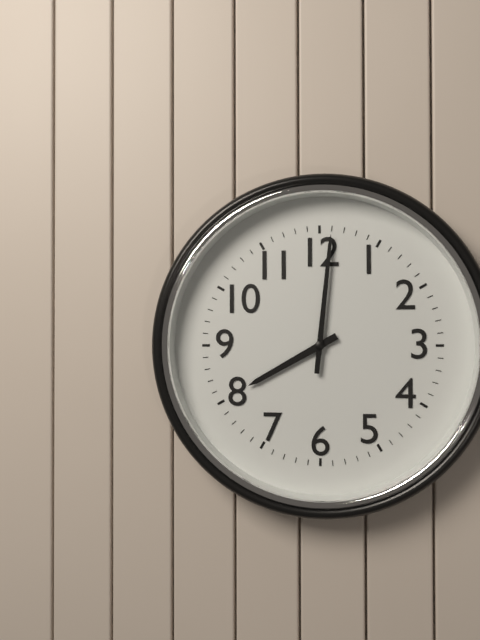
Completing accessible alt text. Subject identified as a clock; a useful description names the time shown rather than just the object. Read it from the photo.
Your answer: 8:01
